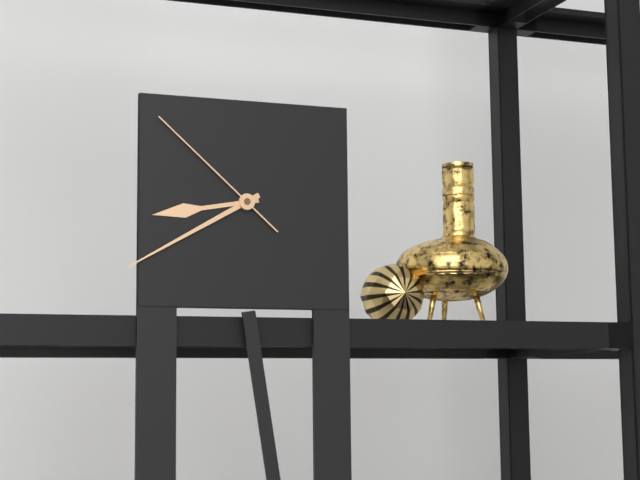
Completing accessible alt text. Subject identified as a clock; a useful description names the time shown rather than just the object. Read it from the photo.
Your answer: 8:40:52
